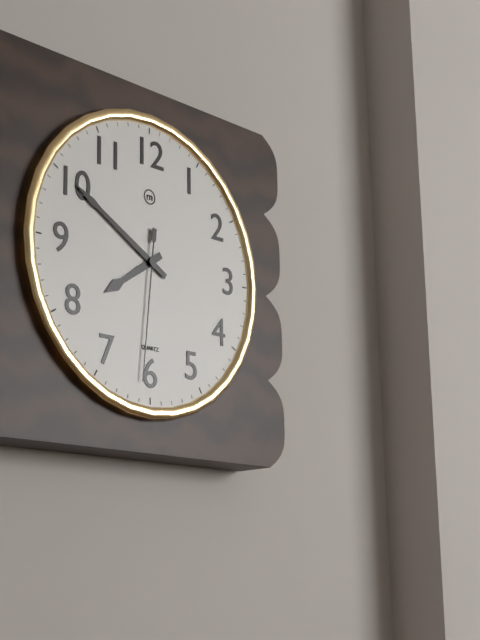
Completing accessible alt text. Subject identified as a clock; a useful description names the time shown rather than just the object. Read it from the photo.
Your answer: 7:50:31
